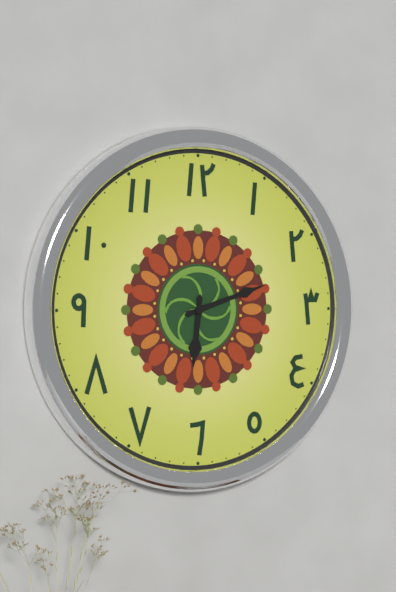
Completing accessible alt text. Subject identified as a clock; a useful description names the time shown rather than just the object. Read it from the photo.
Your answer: 6:12
